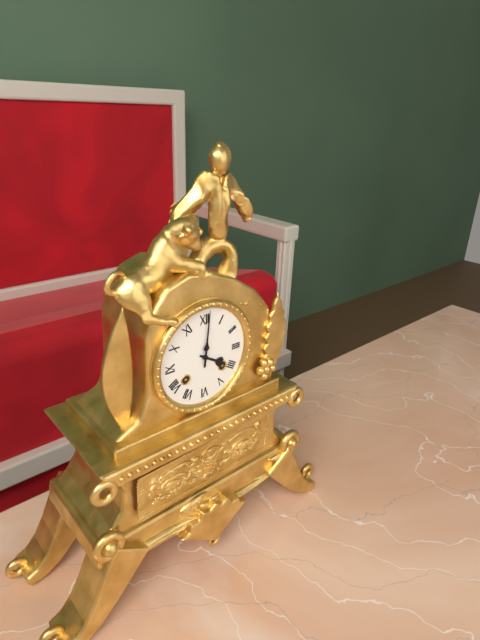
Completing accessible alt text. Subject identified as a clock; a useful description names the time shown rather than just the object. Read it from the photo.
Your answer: 4:01
